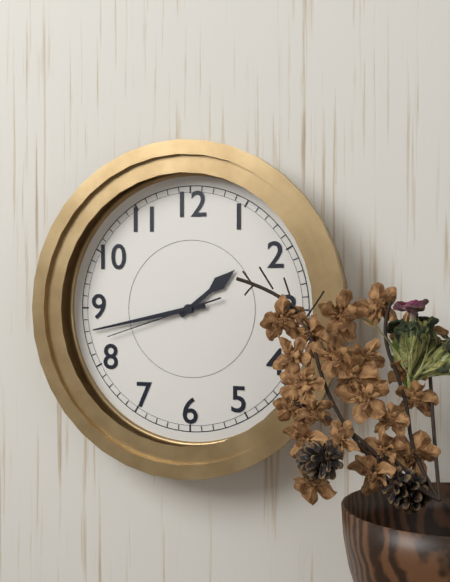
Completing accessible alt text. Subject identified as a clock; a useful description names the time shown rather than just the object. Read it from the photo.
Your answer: 1:43:42
